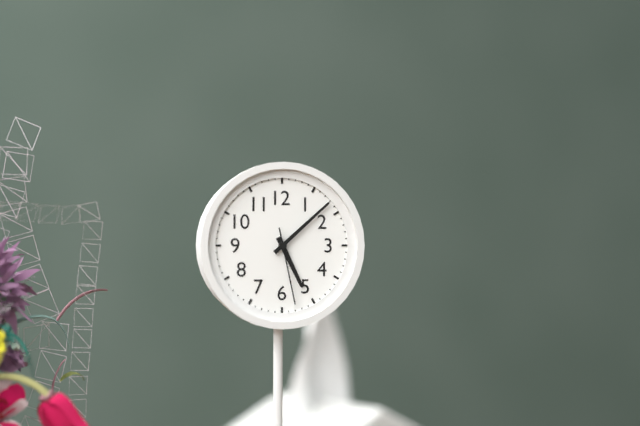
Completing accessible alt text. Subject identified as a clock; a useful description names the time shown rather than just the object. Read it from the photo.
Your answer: 5:08:28
